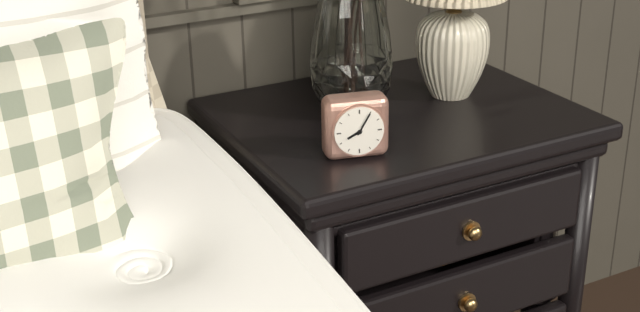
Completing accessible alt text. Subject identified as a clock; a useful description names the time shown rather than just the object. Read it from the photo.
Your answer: 8:05
